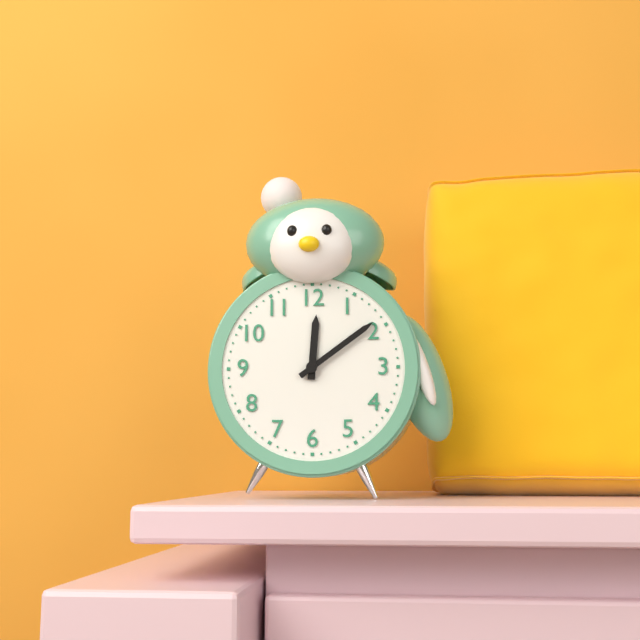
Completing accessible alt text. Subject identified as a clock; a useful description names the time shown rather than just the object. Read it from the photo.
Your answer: 12:09
